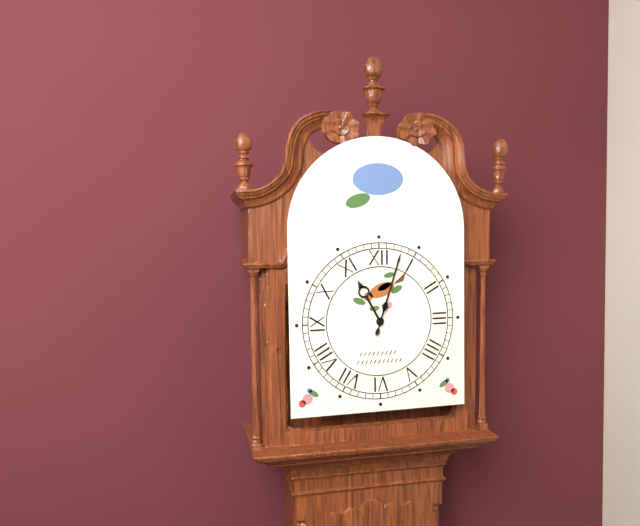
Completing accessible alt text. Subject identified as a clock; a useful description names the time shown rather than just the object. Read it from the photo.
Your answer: 11:03
